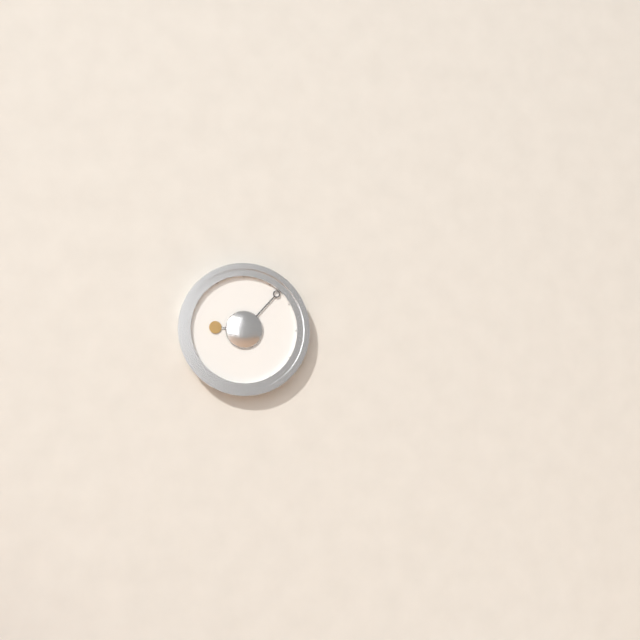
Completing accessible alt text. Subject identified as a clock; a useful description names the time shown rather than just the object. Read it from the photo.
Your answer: 9:07
